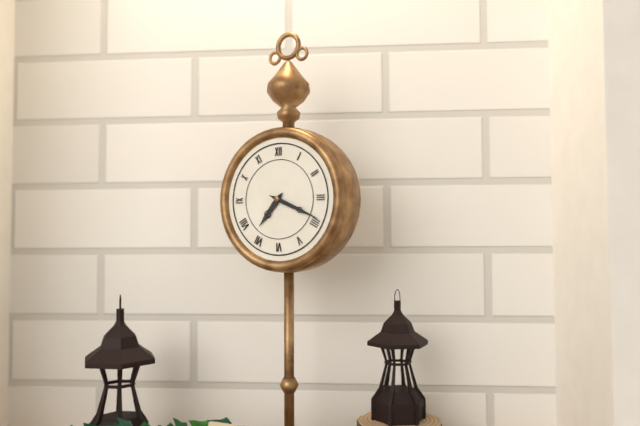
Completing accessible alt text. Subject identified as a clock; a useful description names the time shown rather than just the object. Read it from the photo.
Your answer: 7:19
